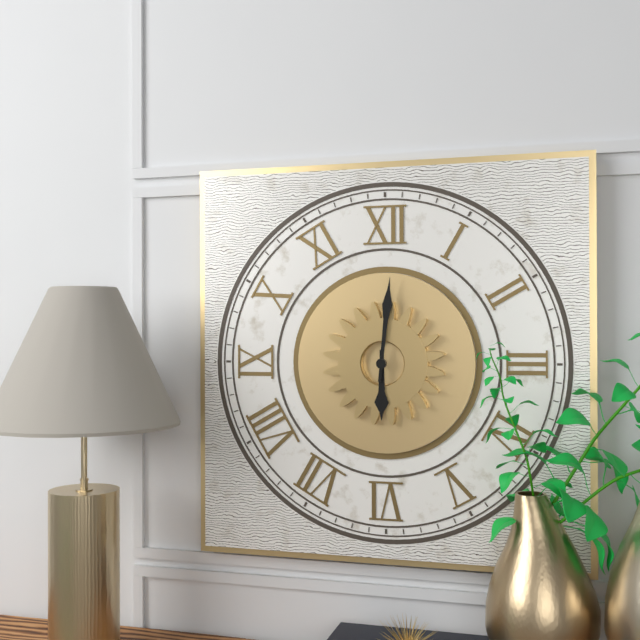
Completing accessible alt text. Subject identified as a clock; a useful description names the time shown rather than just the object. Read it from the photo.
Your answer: 6:01
